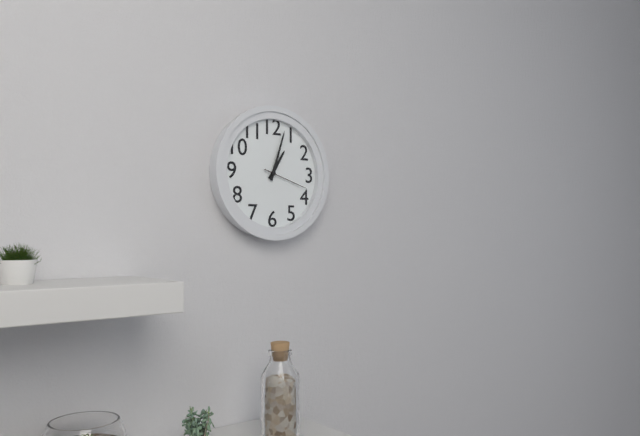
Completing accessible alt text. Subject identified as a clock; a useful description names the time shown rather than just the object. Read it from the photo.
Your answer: 1:03
